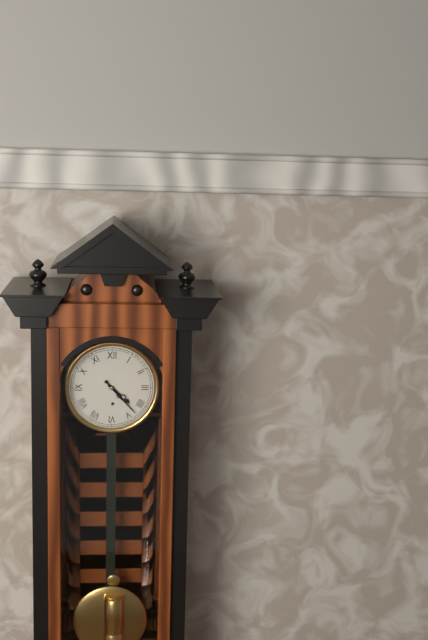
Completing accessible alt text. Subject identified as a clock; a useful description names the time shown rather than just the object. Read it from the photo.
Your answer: 4:23
